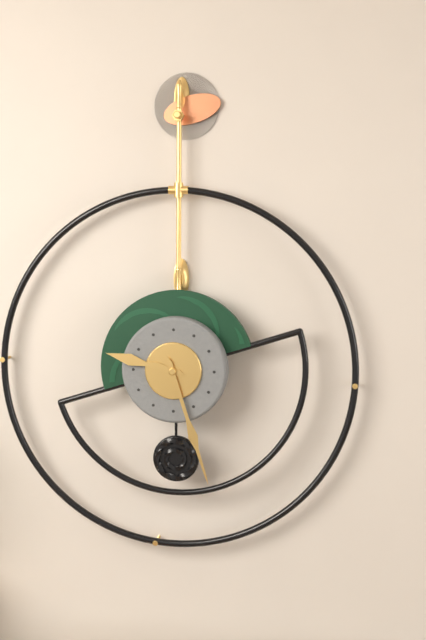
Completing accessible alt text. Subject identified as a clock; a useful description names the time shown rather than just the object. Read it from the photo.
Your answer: 9:27
